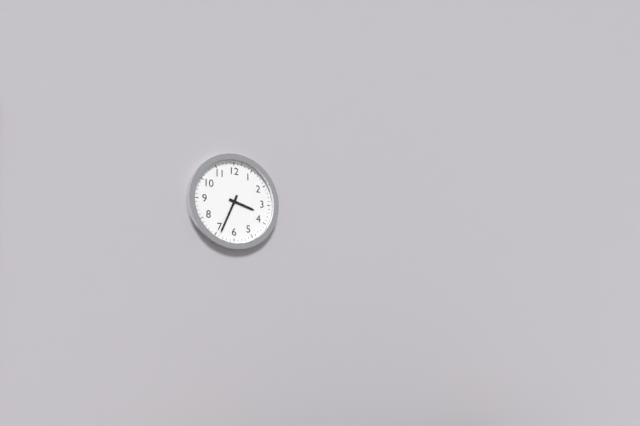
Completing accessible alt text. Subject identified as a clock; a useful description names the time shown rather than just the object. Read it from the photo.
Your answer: 3:34
